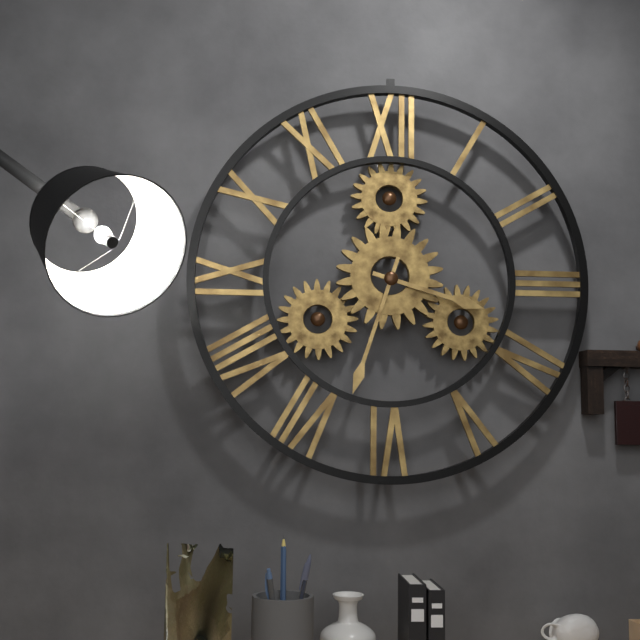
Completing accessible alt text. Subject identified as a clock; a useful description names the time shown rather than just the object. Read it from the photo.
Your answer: 3:33
